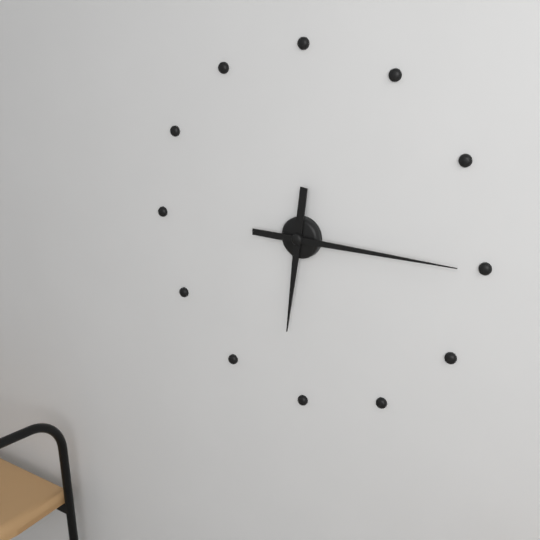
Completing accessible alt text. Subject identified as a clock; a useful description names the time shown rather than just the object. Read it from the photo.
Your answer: 6:15
